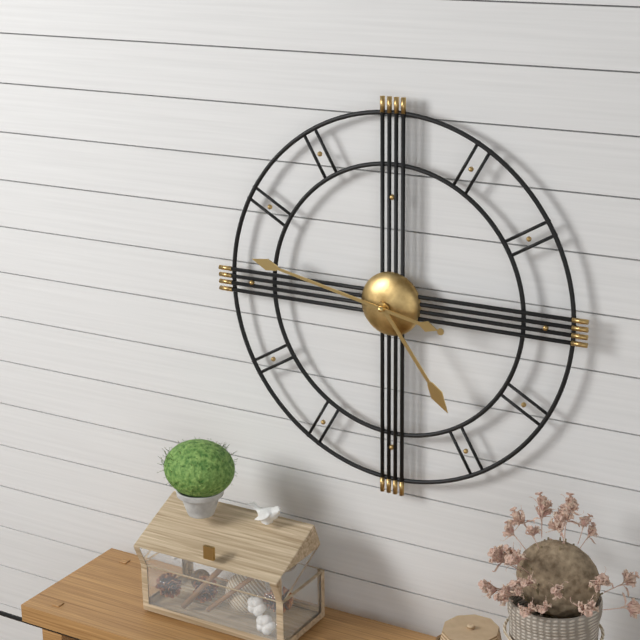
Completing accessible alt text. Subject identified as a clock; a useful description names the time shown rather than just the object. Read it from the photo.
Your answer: 4:47
